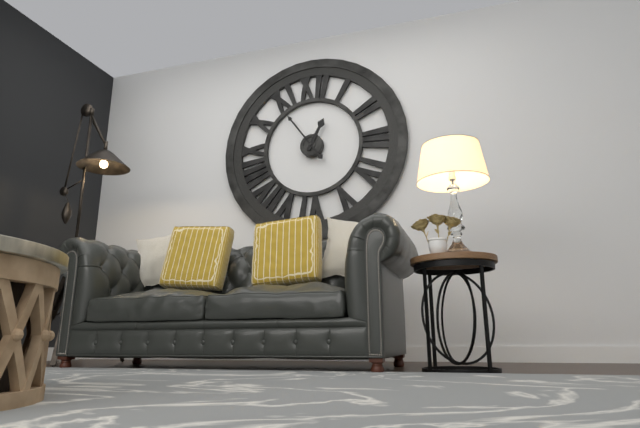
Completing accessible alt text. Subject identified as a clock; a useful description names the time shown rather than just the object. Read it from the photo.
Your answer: 12:54
